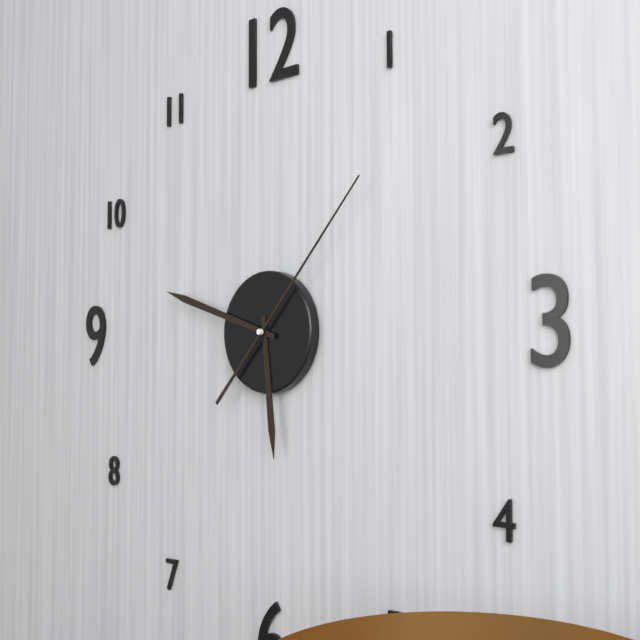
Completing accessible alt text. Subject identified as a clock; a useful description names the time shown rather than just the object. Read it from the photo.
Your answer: 5:48:07
